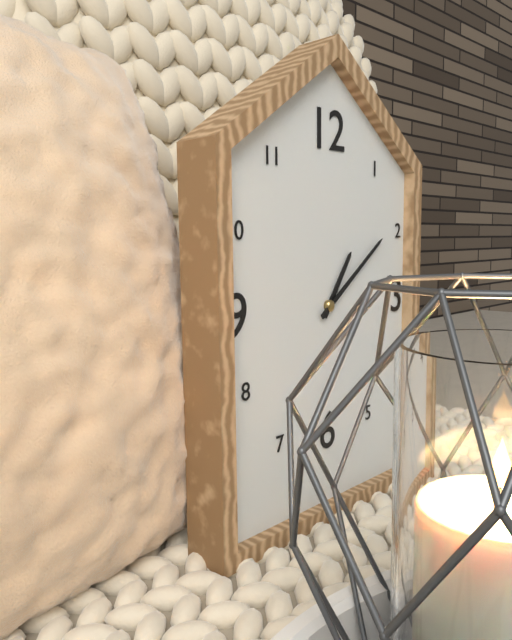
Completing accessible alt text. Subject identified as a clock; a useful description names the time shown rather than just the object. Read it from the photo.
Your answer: 1:09
